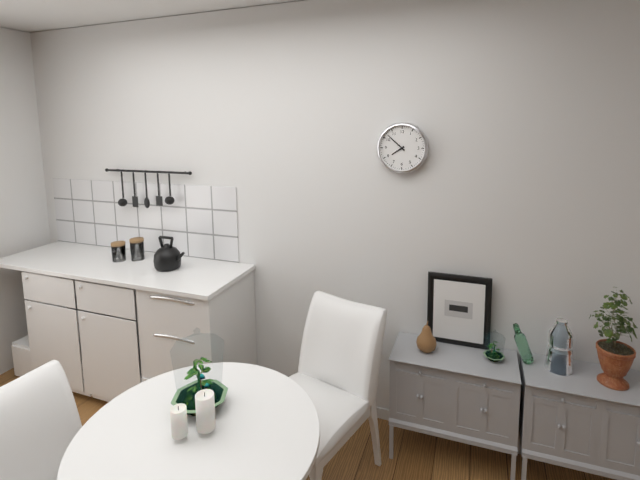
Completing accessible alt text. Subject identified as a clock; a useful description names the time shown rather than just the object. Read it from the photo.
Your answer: 7:52
